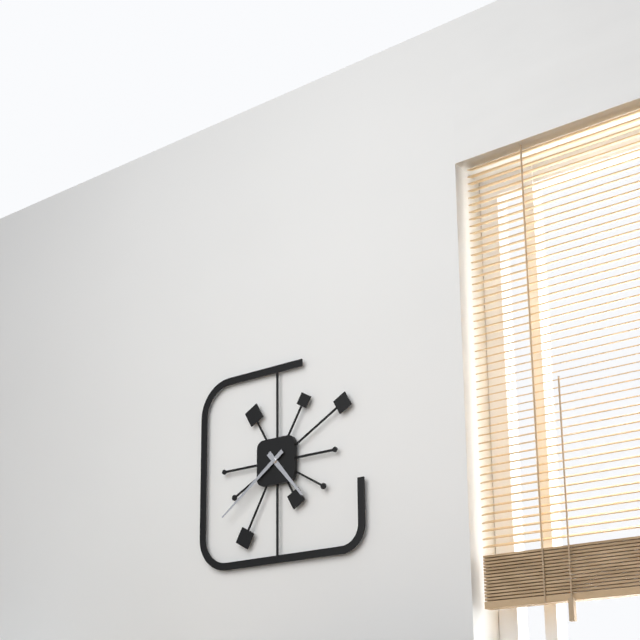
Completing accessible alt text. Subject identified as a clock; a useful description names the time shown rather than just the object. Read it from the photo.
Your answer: 4:39
